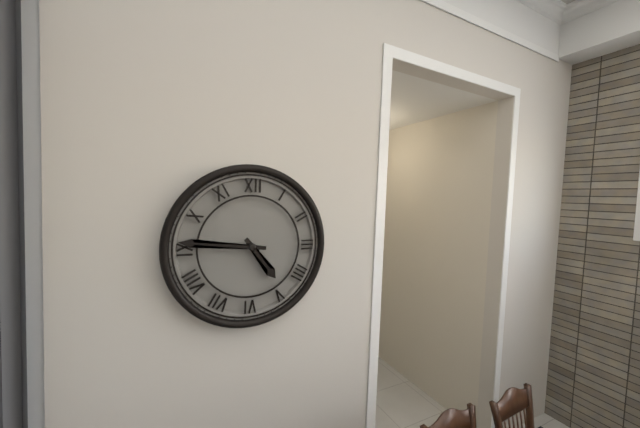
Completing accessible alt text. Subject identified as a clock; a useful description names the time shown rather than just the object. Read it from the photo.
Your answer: 4:46
